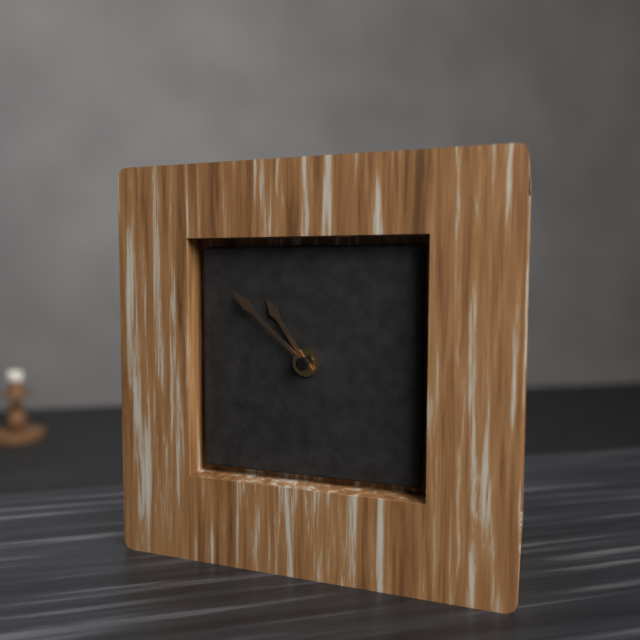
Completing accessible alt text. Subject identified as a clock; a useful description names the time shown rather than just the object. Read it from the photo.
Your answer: 10:52
